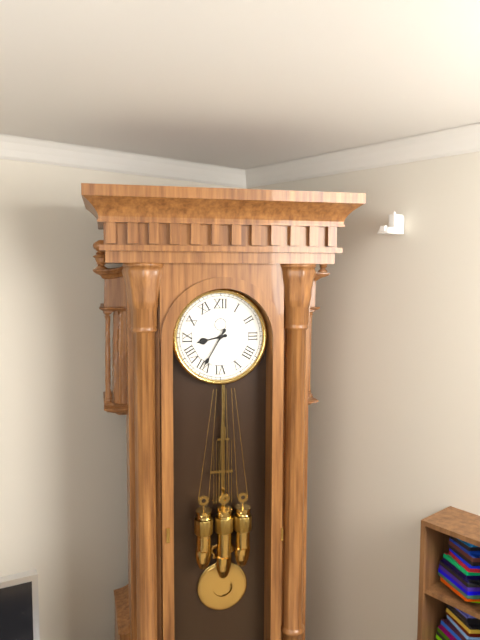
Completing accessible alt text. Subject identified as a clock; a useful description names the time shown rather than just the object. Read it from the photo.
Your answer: 8:35
